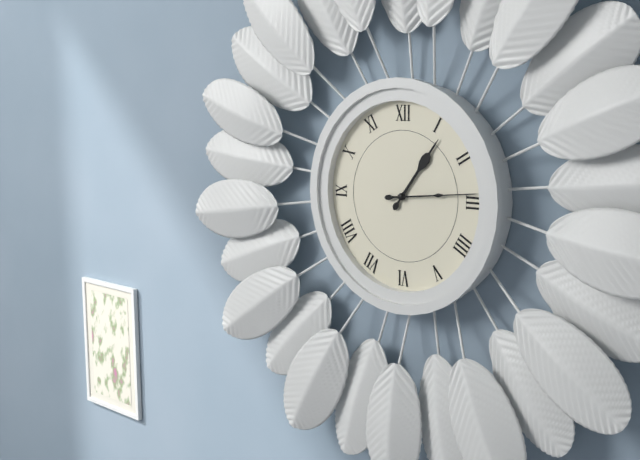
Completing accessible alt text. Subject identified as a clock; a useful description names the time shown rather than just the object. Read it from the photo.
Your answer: 1:14
